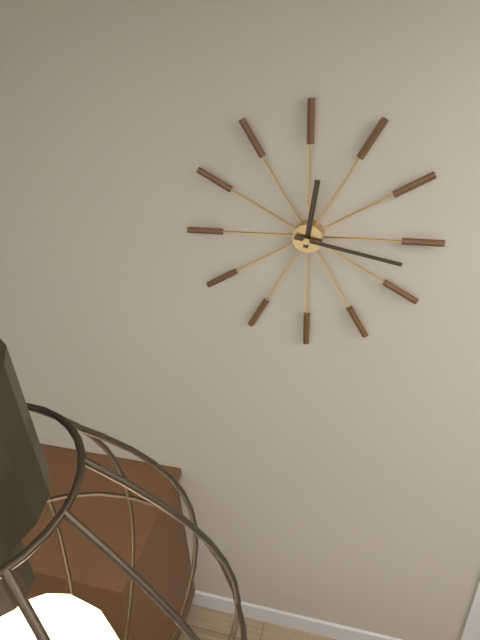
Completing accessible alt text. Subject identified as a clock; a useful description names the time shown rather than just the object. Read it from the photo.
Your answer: 12:17
